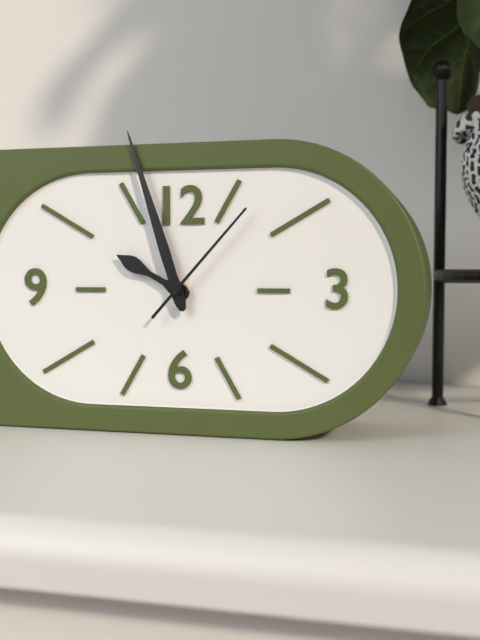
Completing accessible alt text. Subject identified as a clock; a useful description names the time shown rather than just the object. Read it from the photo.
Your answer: 9:57:07
